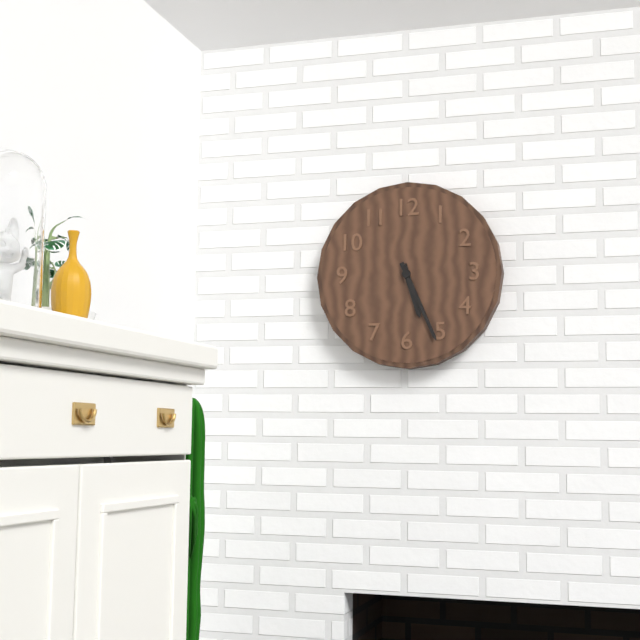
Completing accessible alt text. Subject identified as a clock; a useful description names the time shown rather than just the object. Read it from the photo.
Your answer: 5:26
